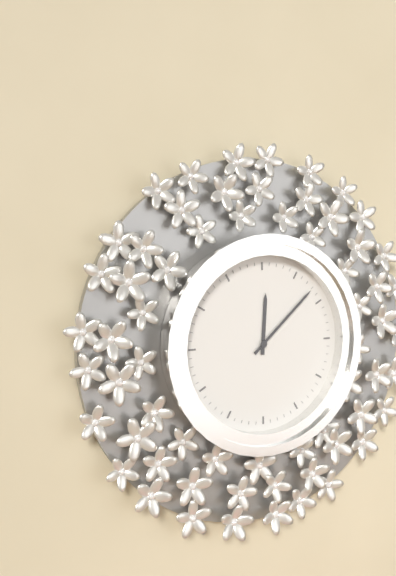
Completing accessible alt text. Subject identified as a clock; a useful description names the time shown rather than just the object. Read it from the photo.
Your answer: 12:08
